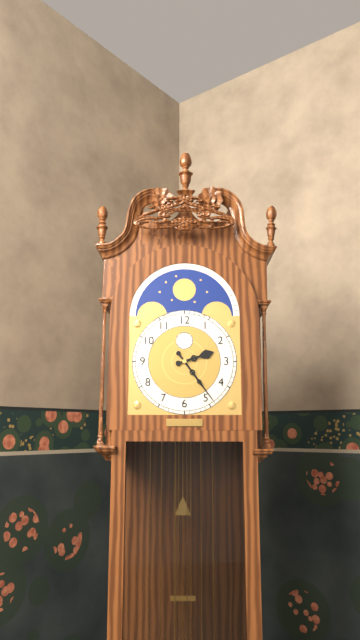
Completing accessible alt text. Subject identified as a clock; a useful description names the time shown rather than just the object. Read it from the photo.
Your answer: 2:24
